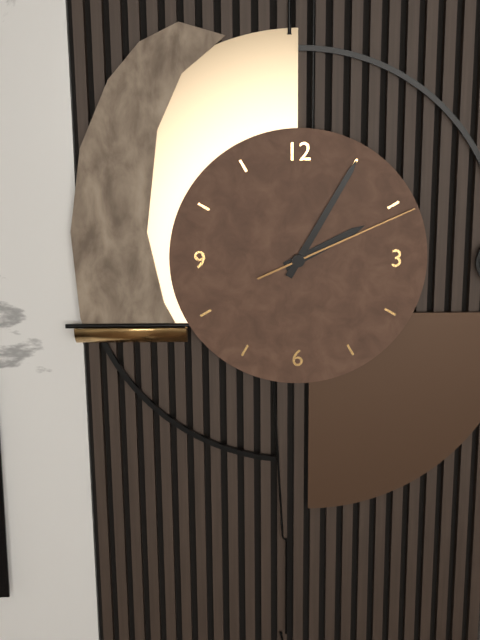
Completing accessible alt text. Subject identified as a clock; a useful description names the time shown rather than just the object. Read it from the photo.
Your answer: 2:05:11
